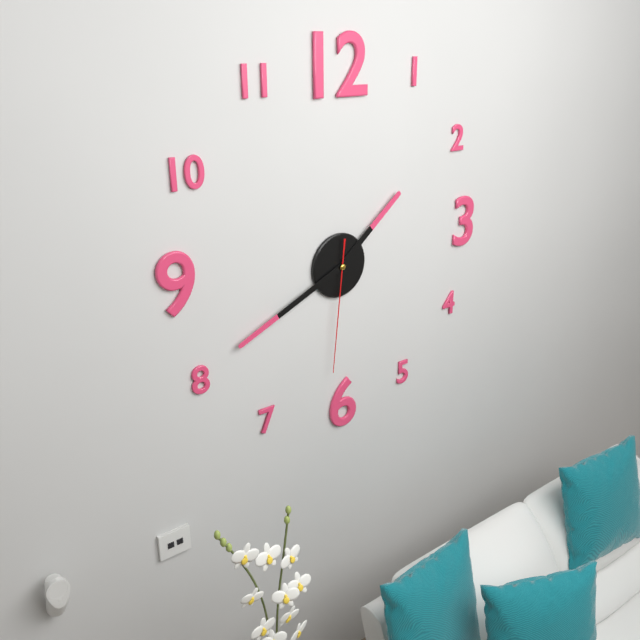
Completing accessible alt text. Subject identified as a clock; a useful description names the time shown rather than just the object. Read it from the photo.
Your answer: 1:41:31
